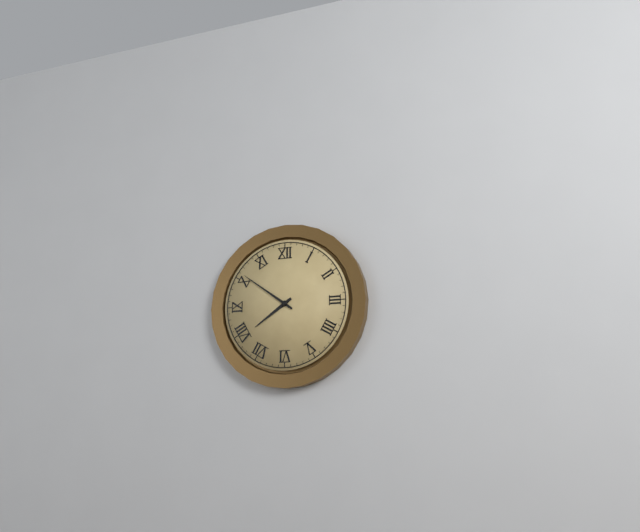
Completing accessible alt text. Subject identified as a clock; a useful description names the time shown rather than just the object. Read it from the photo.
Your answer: 7:51
